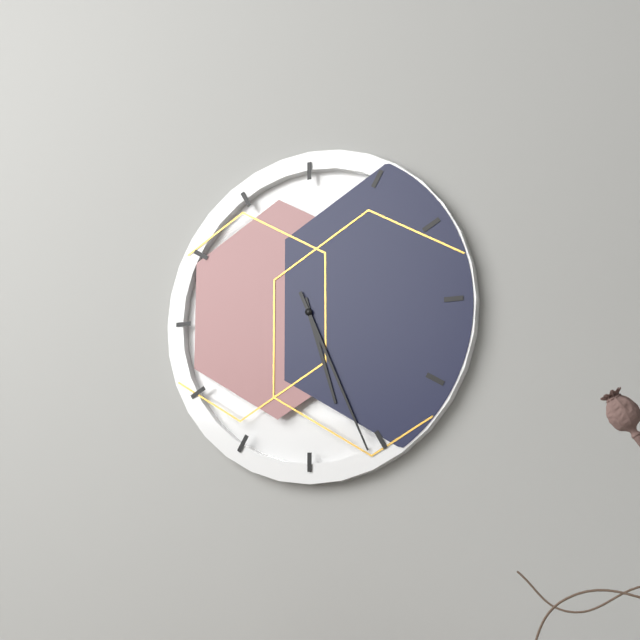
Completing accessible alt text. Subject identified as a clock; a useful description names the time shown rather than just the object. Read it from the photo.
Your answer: 5:26
